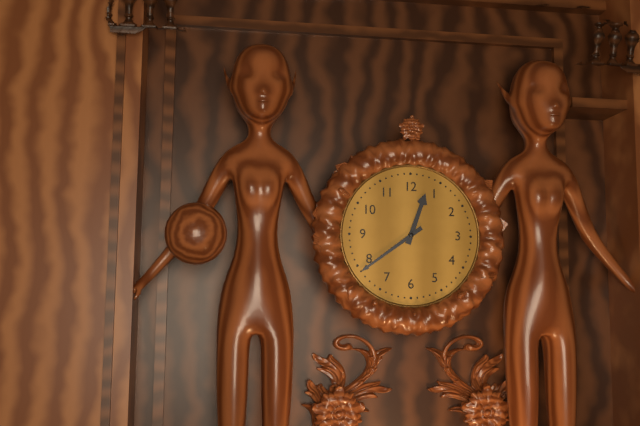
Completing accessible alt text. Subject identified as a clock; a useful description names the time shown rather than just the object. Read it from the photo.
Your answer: 12:39
